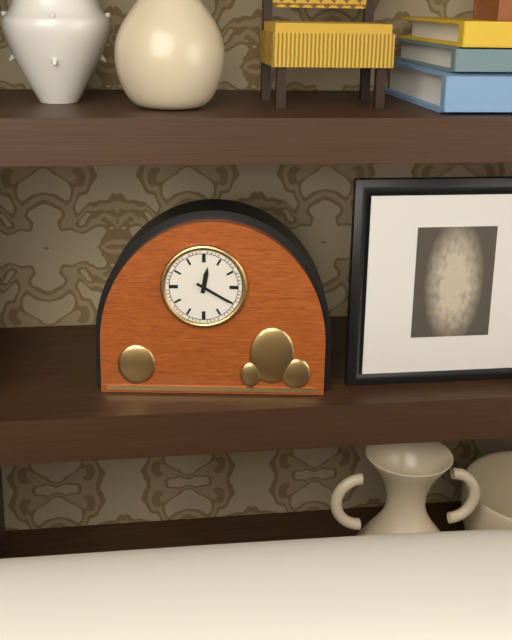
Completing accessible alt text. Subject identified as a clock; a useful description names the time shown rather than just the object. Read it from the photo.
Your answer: 12:20
